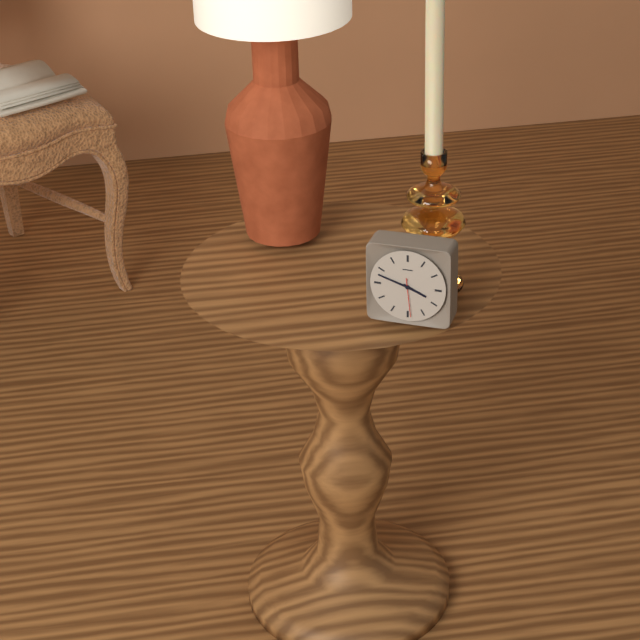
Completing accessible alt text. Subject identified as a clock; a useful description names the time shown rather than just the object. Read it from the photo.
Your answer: 3:48:29
